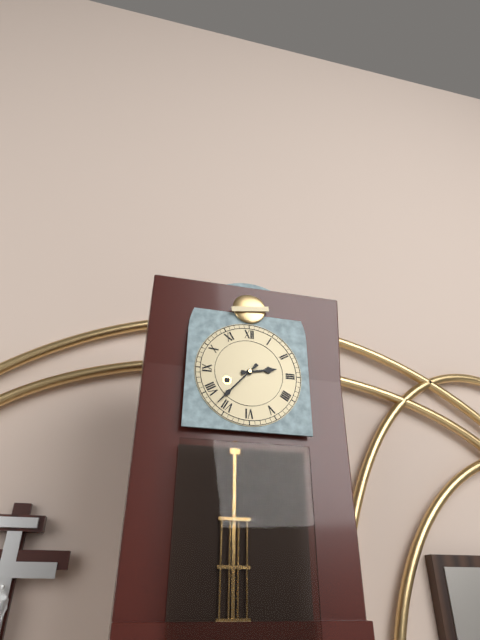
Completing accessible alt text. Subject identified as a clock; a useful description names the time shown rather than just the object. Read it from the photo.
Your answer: 2:37
